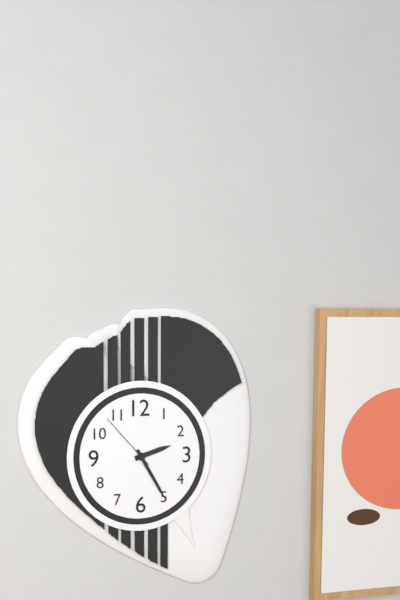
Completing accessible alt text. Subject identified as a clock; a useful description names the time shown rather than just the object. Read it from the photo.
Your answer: 2:25:53
